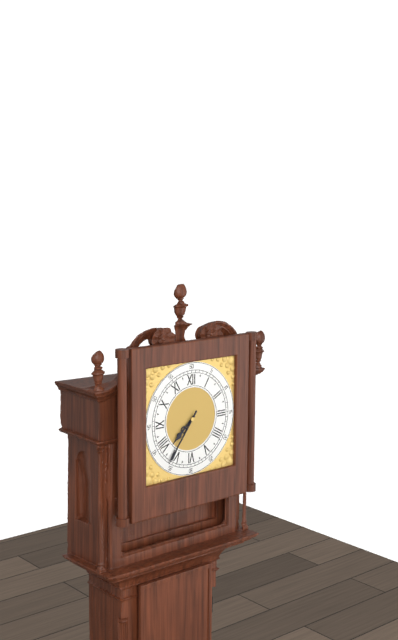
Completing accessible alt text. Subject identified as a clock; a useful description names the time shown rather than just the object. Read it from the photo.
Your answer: 7:36
